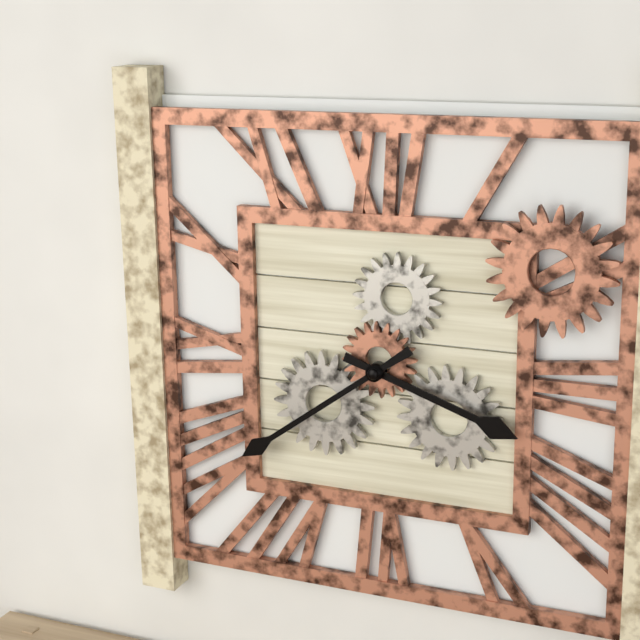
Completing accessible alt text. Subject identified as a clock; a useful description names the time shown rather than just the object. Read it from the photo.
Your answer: 3:39
